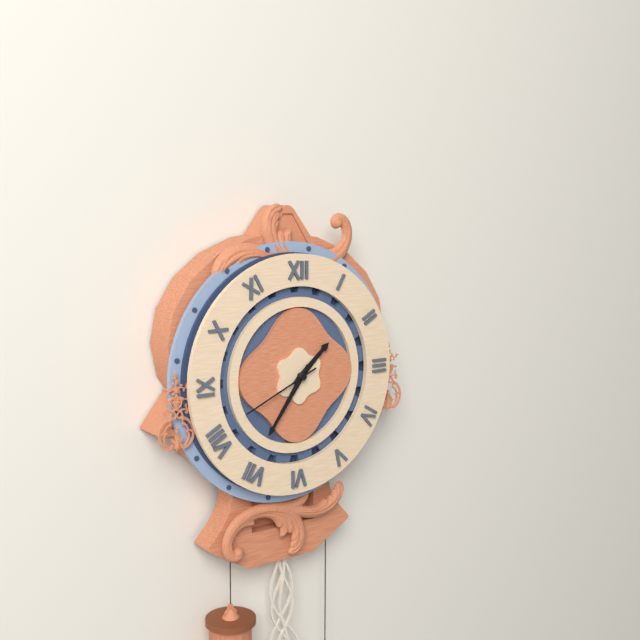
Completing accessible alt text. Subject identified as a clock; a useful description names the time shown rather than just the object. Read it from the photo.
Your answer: 1:36:41
